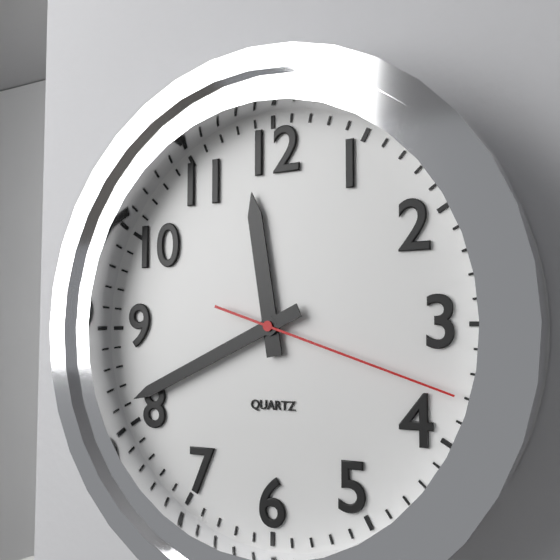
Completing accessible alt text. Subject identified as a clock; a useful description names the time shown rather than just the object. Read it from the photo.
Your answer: 11:41:18
